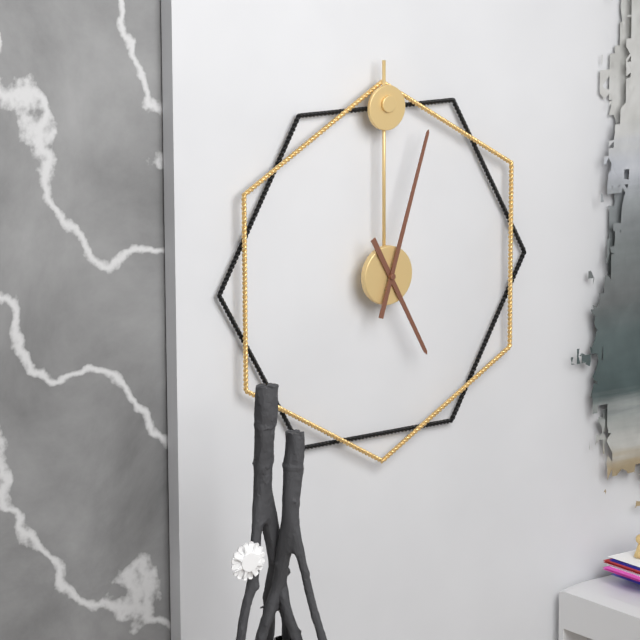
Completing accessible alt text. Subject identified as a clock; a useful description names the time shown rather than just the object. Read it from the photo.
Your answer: 5:03
